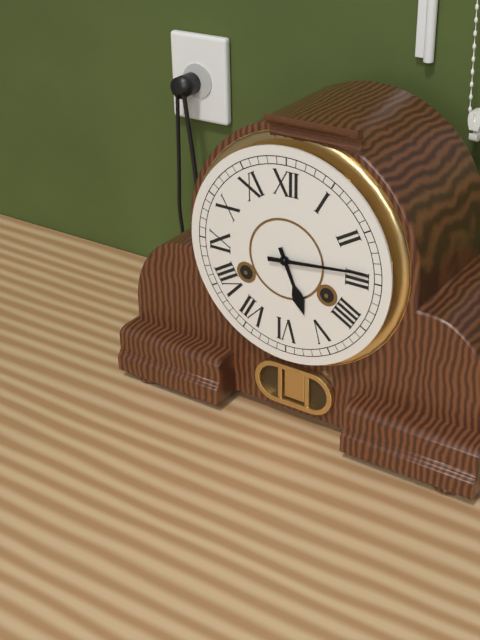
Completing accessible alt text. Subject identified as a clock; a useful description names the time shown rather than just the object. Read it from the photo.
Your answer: 5:14
